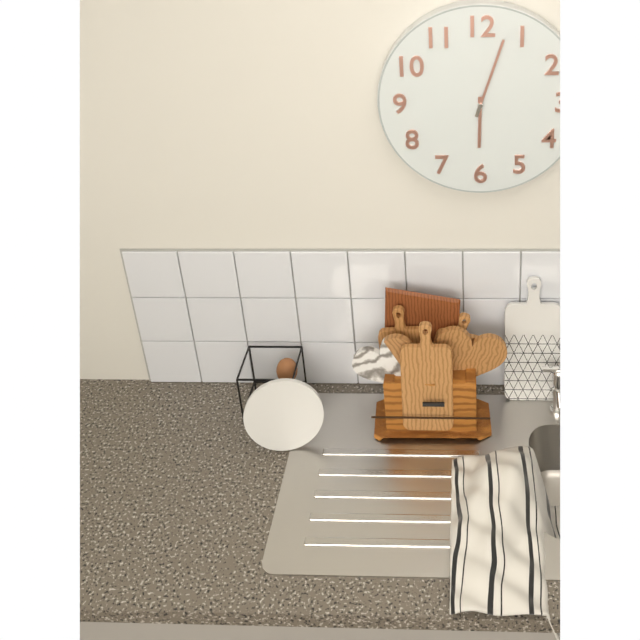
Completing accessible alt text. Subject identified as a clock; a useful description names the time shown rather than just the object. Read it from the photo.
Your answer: 6:03
